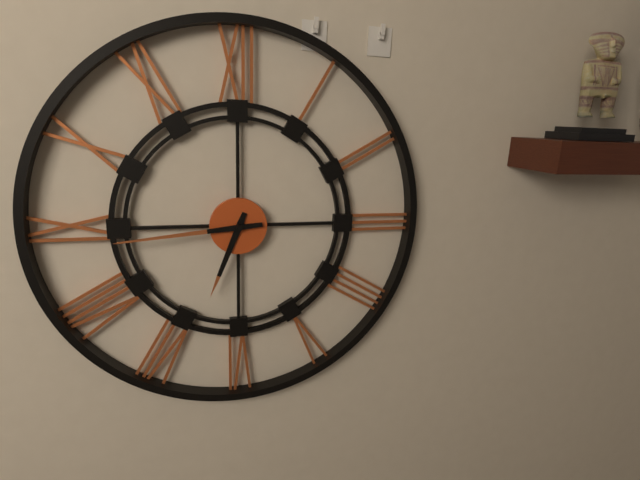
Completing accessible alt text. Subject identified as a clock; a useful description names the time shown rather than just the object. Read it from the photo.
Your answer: 6:44
